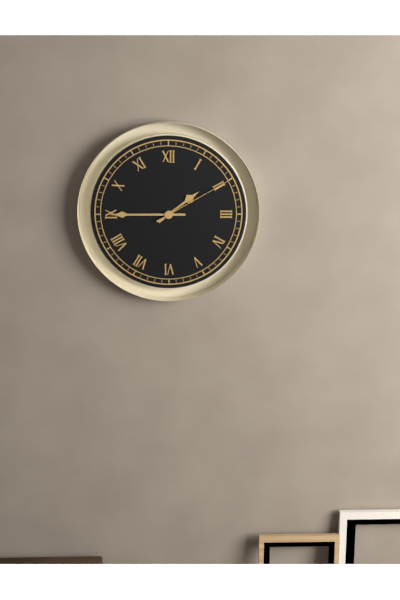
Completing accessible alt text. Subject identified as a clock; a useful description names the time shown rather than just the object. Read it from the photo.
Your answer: 1:45:10
